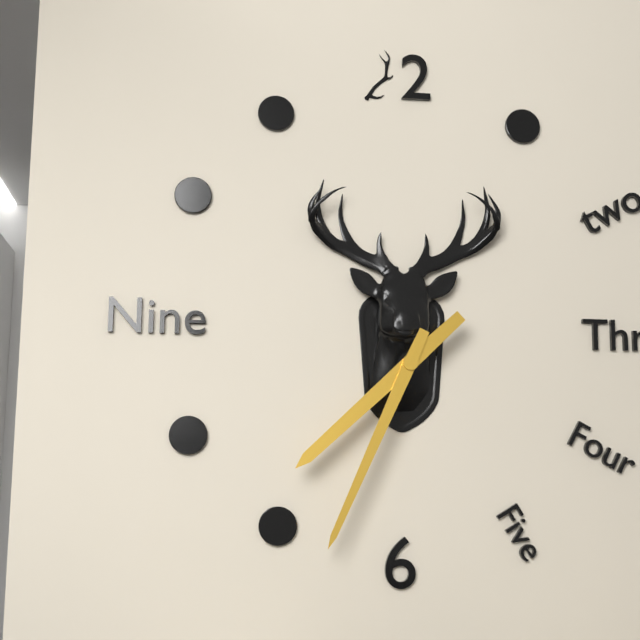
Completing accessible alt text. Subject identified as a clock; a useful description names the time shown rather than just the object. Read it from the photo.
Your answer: 7:34
